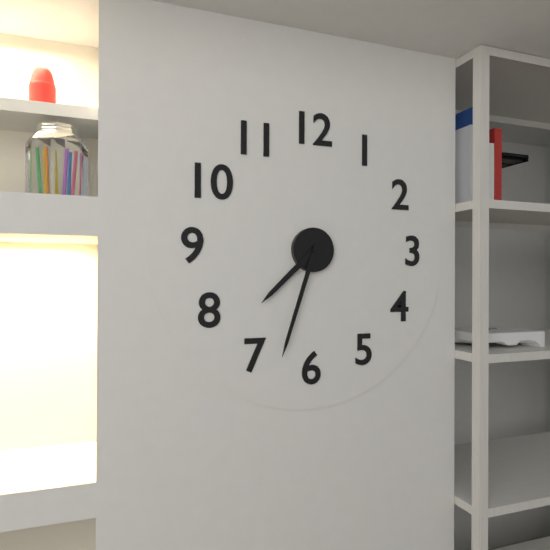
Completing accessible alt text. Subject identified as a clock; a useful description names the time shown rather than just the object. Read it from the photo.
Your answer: 7:33
